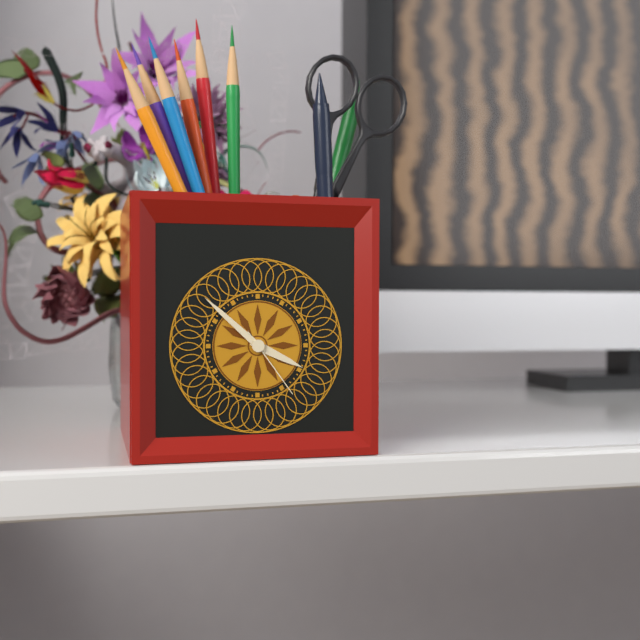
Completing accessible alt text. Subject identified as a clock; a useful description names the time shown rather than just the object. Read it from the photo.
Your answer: 3:52:24
